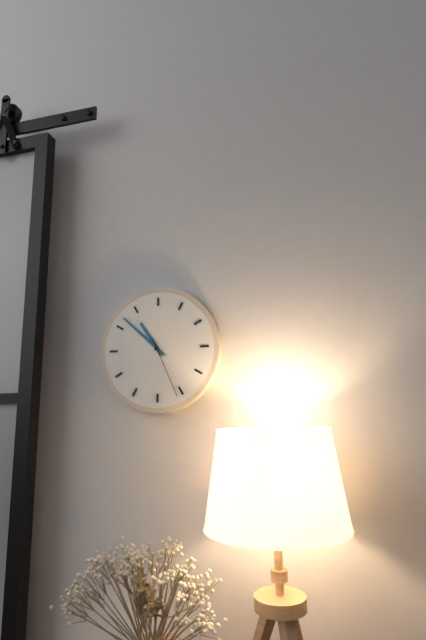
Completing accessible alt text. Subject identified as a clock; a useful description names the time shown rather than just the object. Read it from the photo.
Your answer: 10:52:26
